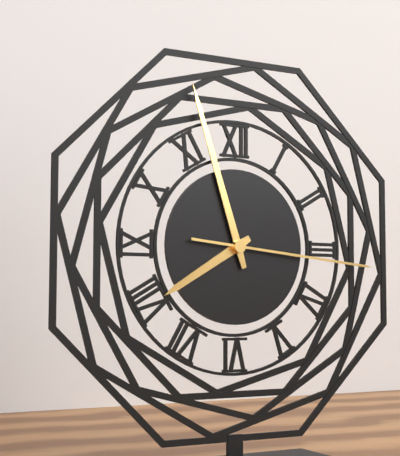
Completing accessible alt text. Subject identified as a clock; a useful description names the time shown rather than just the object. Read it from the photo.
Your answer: 7:57:16
